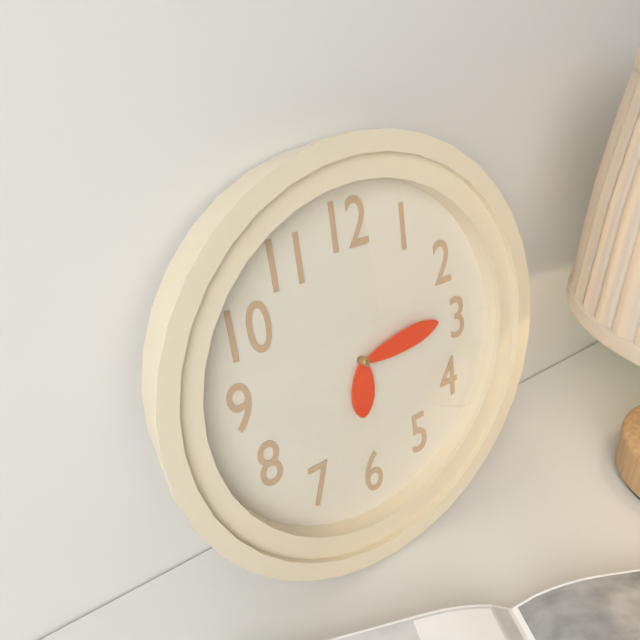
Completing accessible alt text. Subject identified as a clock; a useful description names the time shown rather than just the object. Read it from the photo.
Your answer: 6:14
